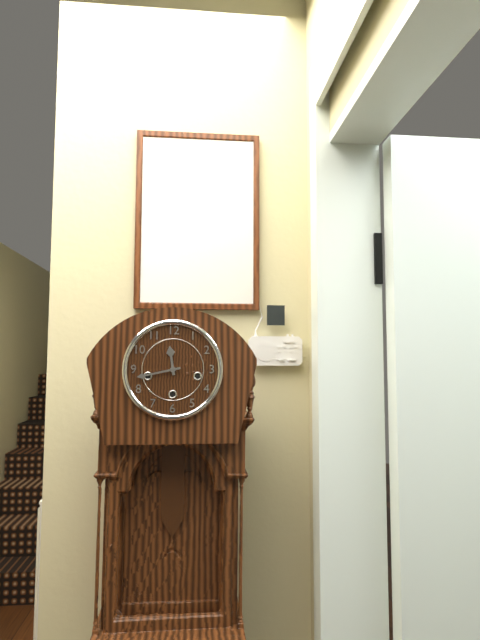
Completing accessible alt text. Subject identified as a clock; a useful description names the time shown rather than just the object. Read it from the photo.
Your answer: 11:43
